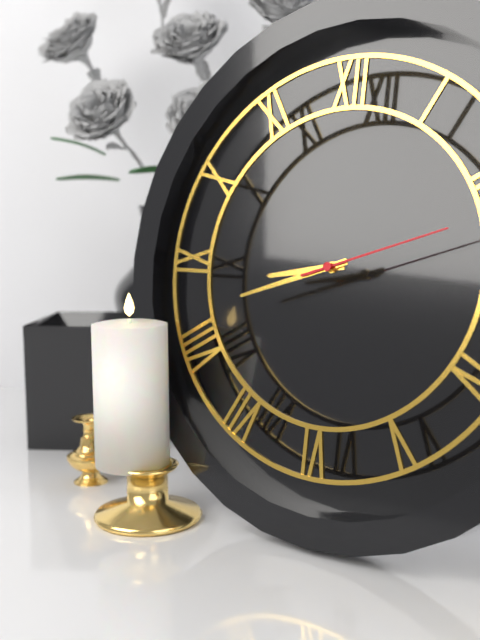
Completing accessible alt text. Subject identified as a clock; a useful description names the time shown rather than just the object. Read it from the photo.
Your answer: 8:42:12
